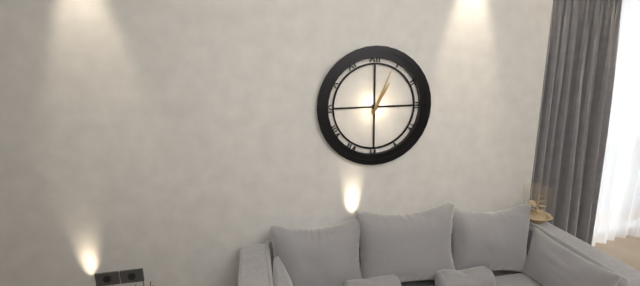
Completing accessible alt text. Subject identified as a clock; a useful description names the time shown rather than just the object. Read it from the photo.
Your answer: 1:04
